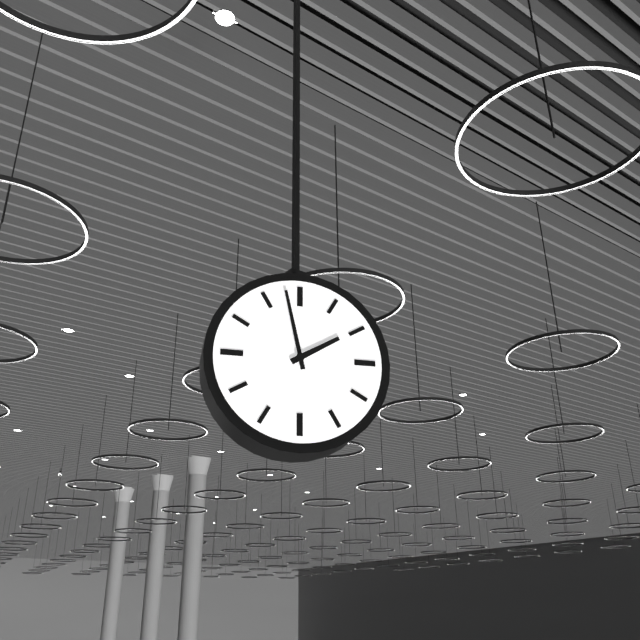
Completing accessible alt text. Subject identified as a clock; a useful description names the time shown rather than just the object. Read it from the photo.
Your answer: 1:58
